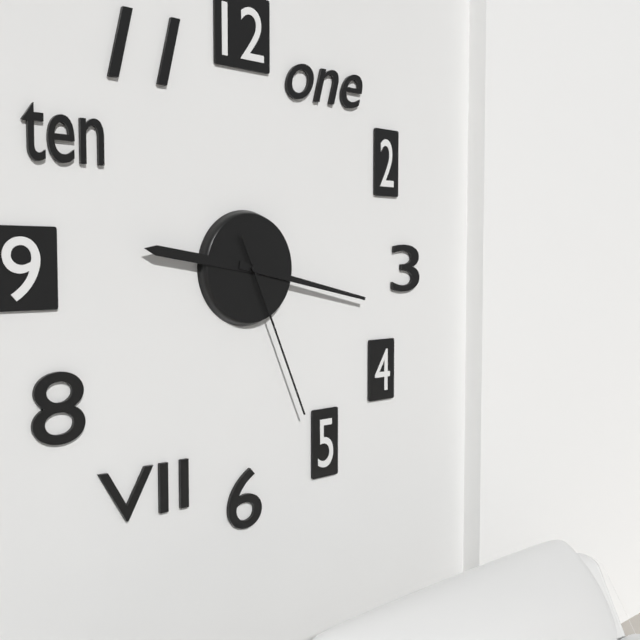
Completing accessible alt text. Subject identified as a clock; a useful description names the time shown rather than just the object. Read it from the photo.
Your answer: 9:17:26
